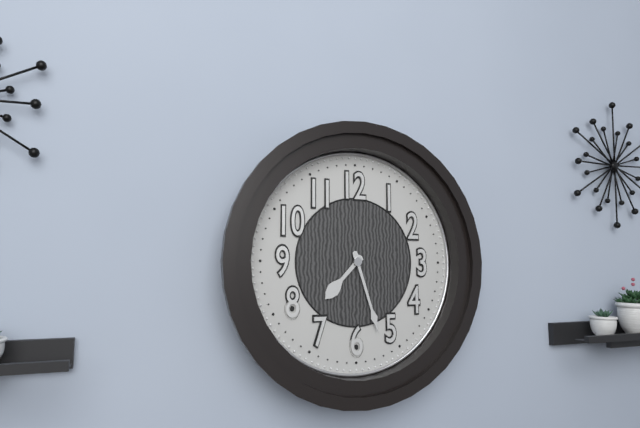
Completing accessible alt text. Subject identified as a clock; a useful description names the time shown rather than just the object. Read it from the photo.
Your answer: 7:27
